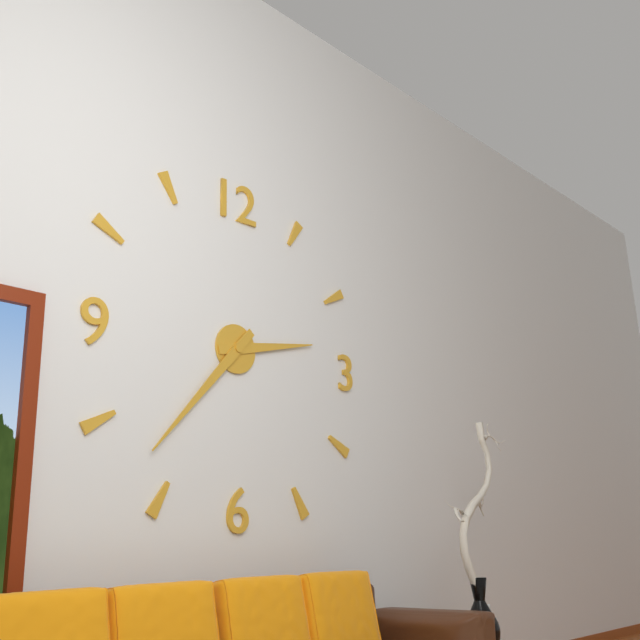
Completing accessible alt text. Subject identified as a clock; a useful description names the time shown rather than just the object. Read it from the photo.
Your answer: 2:37
